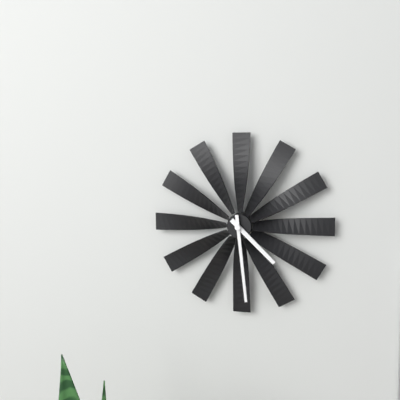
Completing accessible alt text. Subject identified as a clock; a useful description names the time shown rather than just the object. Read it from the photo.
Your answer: 4:29
